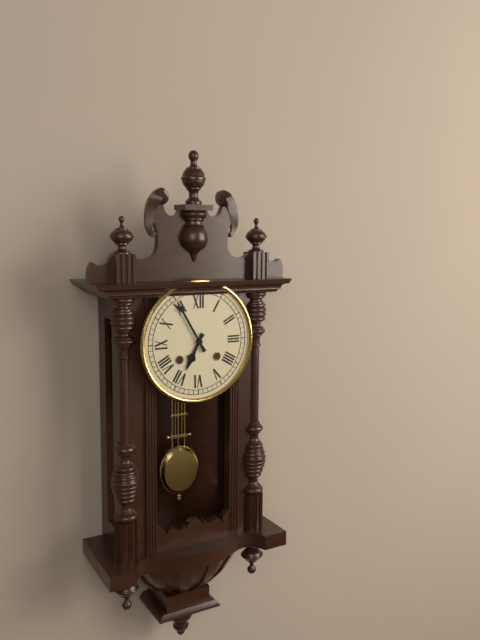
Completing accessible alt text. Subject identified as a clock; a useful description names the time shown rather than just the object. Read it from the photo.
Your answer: 6:55
